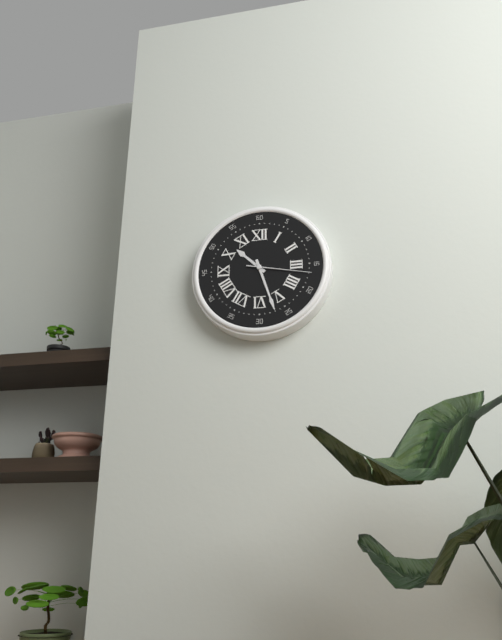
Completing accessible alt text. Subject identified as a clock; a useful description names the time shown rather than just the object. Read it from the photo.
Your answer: 10:27:17
